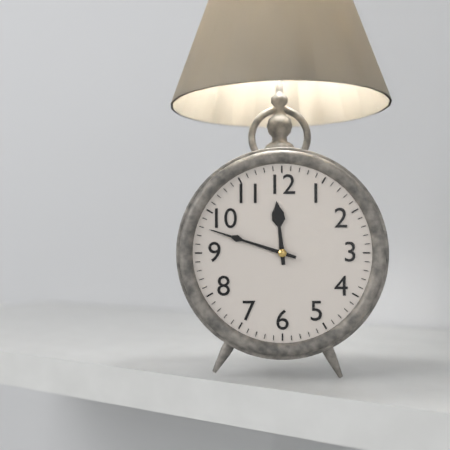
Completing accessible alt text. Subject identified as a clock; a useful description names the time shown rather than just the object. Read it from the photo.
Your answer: 11:48
